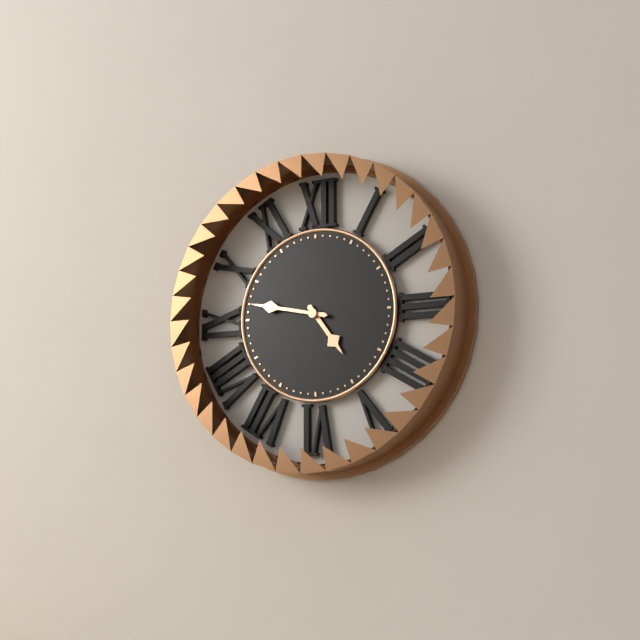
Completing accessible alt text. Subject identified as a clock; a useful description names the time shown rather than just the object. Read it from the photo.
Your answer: 4:47
